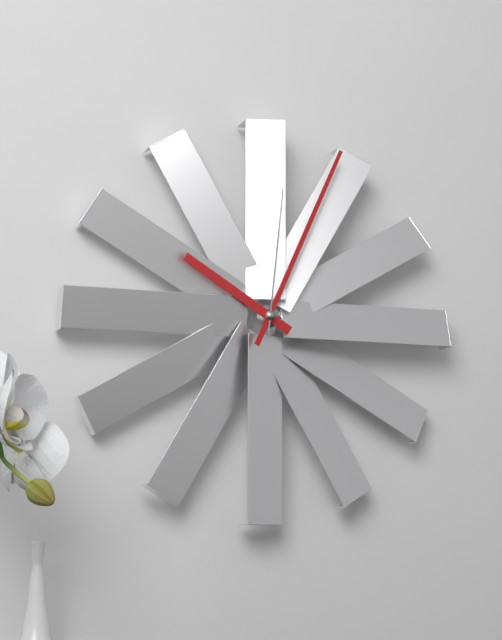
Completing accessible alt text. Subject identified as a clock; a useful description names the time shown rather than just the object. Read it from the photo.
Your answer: 10:04:01
